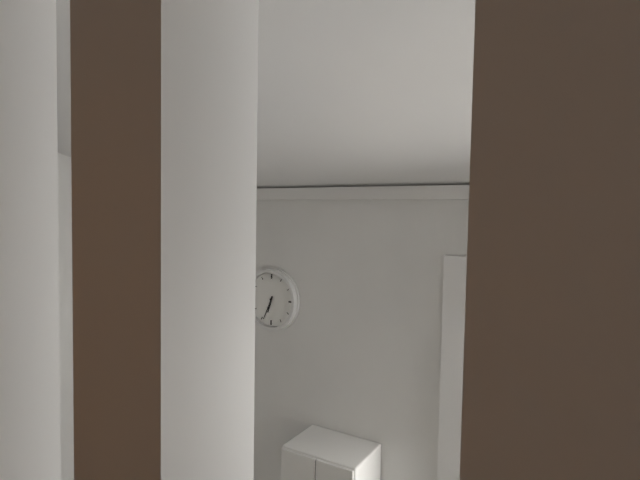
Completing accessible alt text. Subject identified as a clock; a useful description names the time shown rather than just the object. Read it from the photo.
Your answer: 6:34
